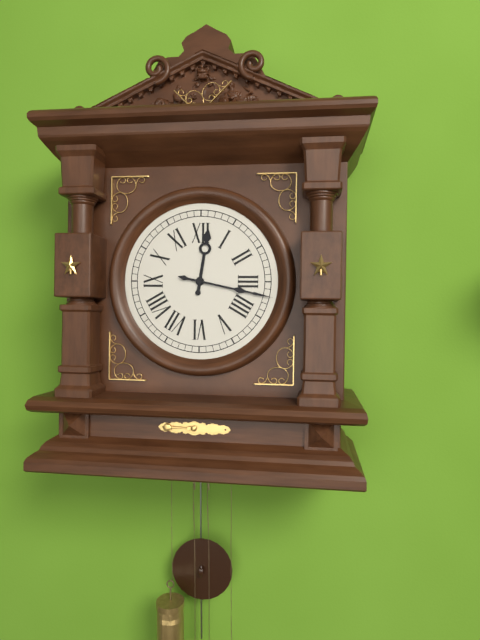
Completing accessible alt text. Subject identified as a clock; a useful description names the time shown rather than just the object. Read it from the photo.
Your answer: 12:17
